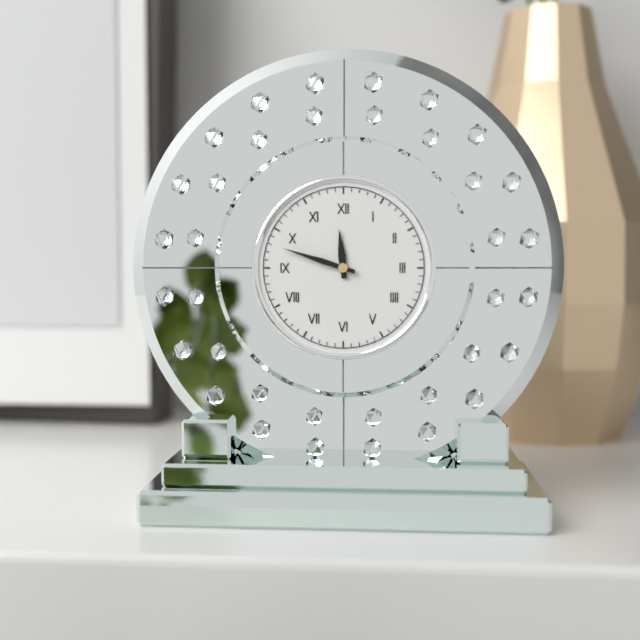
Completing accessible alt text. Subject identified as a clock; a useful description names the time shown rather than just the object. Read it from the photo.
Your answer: 11:48
